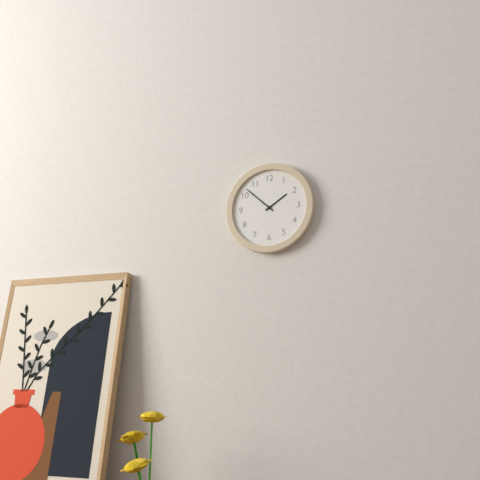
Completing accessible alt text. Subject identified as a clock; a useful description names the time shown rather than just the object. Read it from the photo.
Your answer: 1:52
